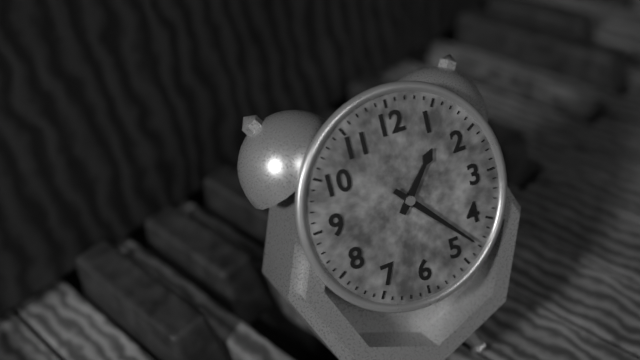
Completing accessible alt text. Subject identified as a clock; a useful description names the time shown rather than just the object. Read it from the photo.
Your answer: 1:23
